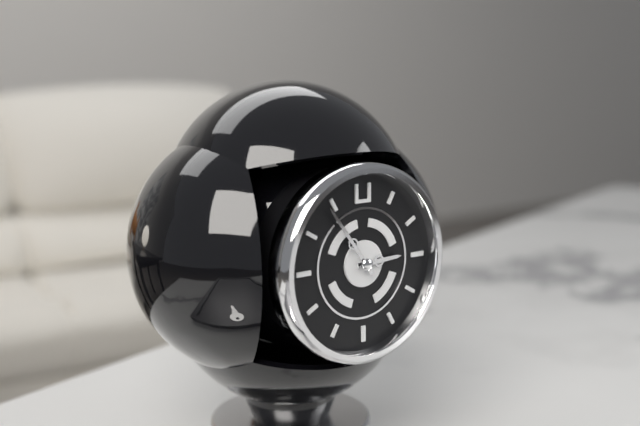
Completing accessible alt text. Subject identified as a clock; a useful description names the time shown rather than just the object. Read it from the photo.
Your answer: 2:54
